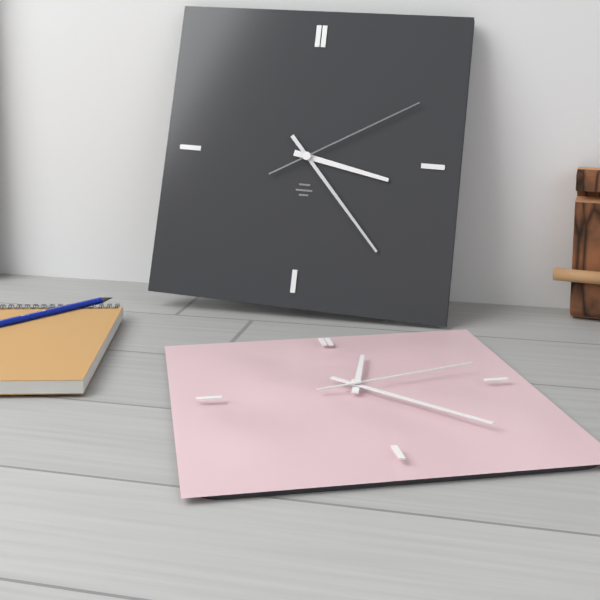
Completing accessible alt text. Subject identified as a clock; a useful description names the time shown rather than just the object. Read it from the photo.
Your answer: 3:23:10
